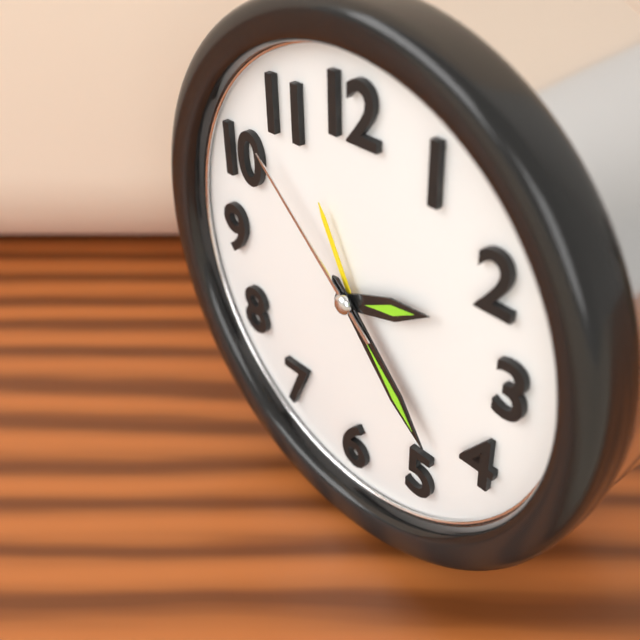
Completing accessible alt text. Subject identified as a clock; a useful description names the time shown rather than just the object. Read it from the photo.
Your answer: 2:23:52
